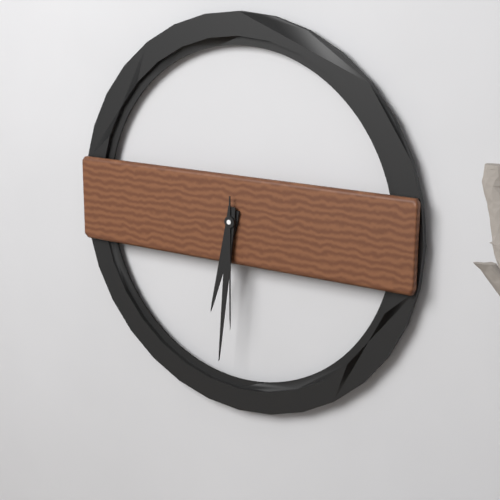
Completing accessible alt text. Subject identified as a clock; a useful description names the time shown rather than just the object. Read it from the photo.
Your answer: 6:31:30
